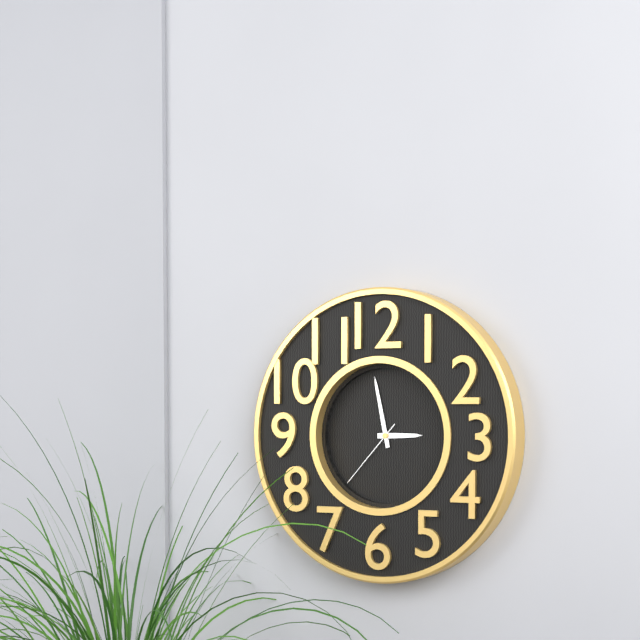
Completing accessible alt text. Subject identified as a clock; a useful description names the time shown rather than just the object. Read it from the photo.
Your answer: 2:58:37
